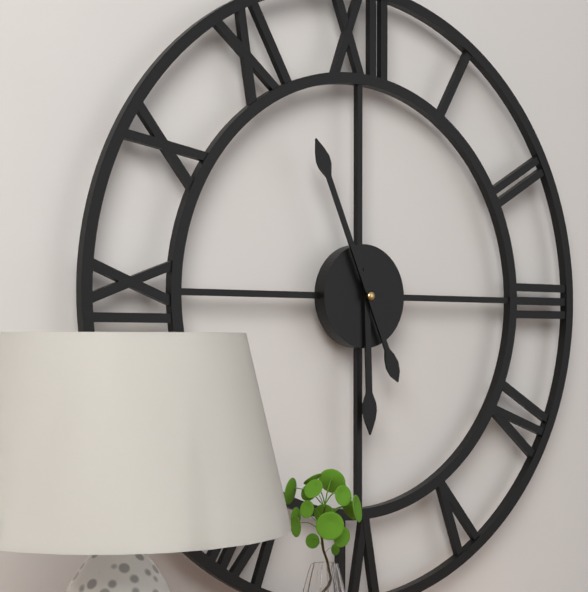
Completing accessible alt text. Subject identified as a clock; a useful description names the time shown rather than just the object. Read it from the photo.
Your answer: 5:56
